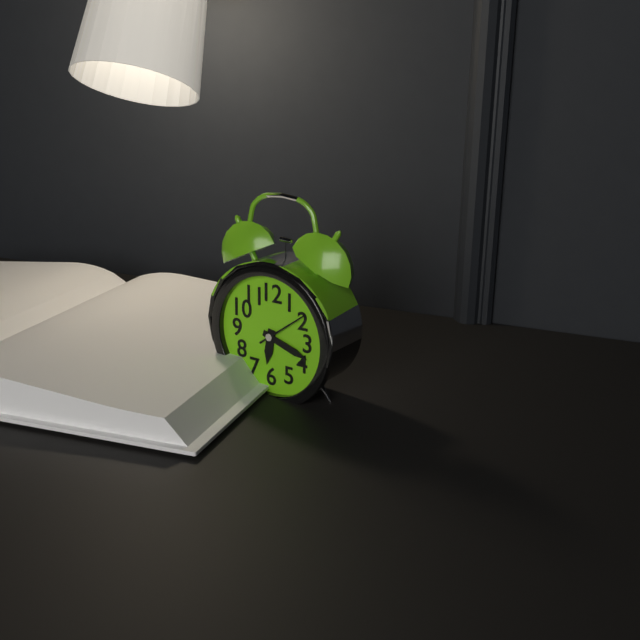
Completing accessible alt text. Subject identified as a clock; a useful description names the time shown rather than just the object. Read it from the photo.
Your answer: 6:18
